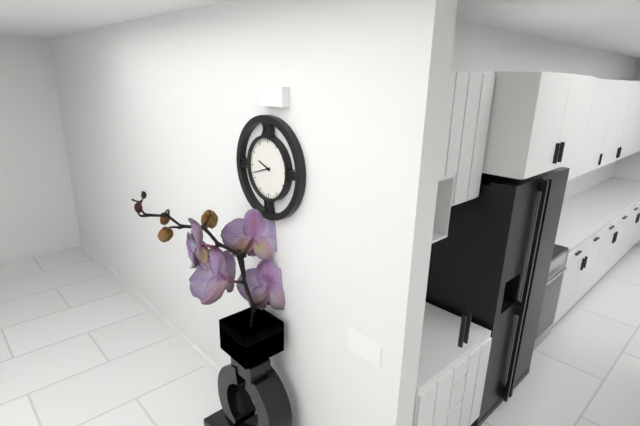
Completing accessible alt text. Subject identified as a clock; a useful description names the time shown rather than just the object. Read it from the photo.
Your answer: 9:42
